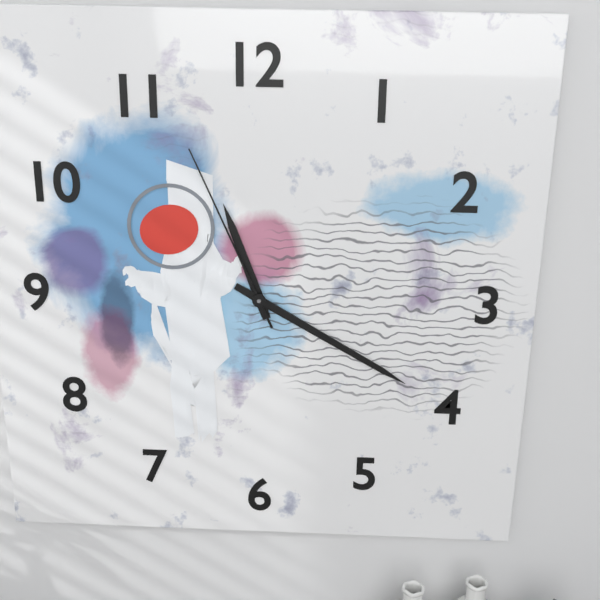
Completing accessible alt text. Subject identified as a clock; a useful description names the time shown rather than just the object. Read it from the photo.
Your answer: 11:20:56
